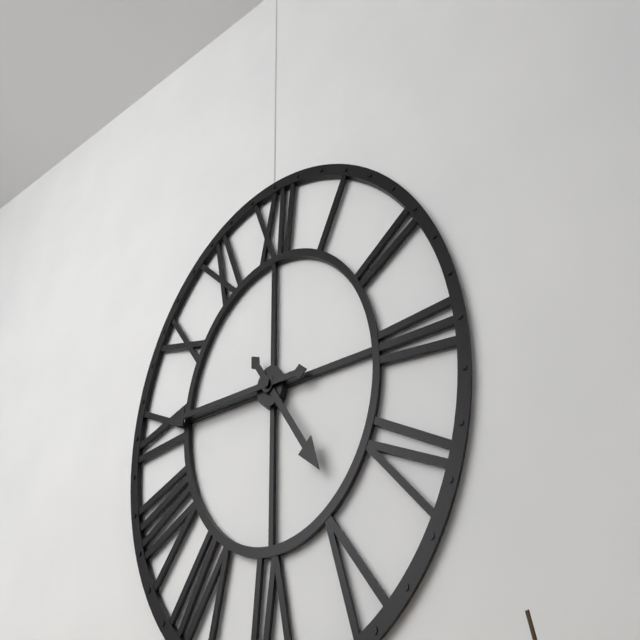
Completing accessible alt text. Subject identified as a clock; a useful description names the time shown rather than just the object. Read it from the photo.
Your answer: 4:45
